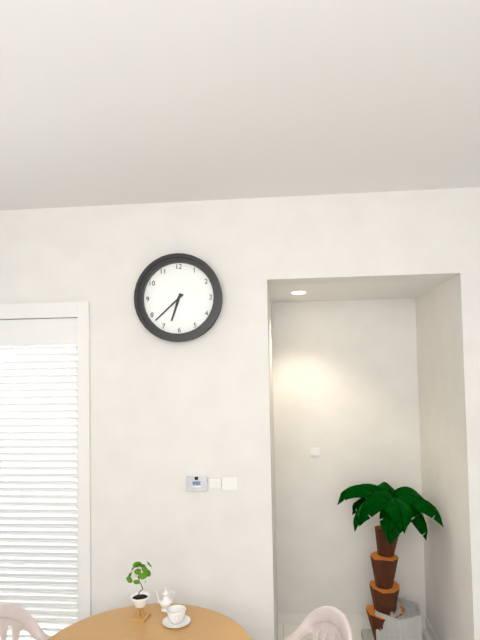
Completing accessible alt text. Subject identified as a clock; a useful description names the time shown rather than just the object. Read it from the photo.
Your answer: 6:38
